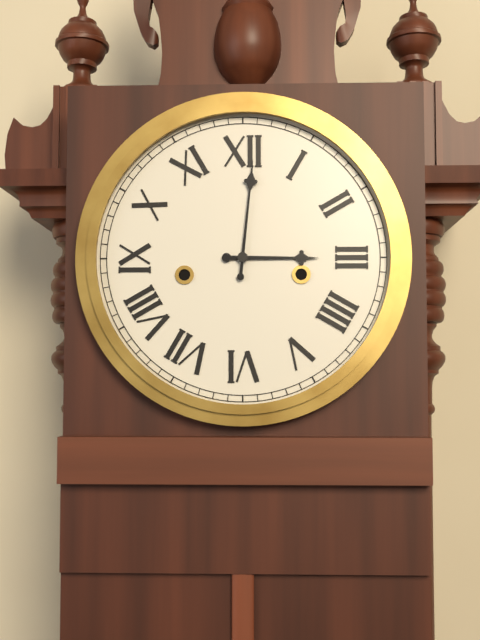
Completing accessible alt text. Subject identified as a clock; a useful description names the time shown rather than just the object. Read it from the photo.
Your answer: 3:01
